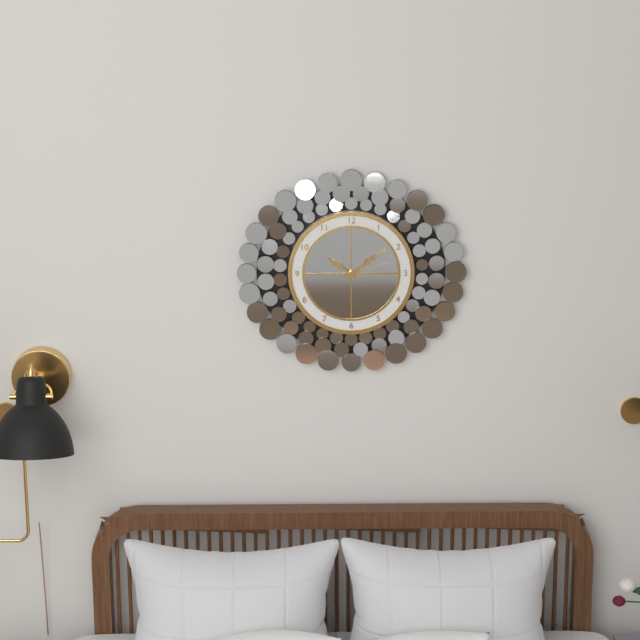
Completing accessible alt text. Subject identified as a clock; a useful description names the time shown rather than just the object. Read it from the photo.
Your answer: 10:09
